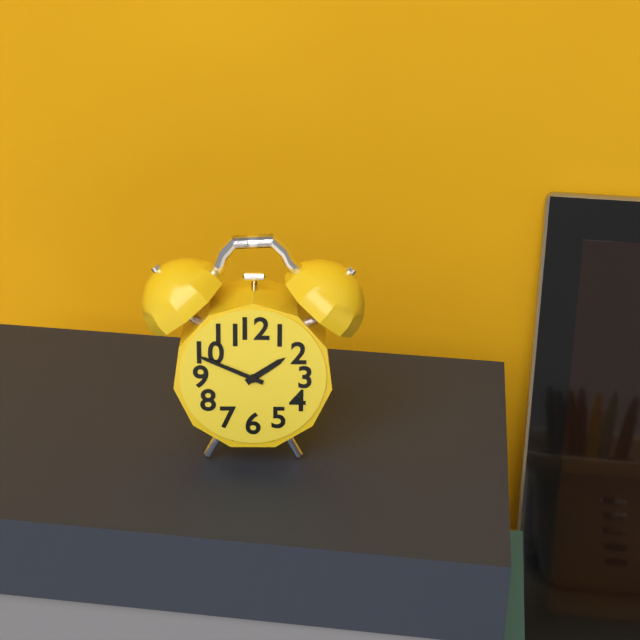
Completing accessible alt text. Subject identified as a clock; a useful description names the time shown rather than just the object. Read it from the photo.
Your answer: 1:49
